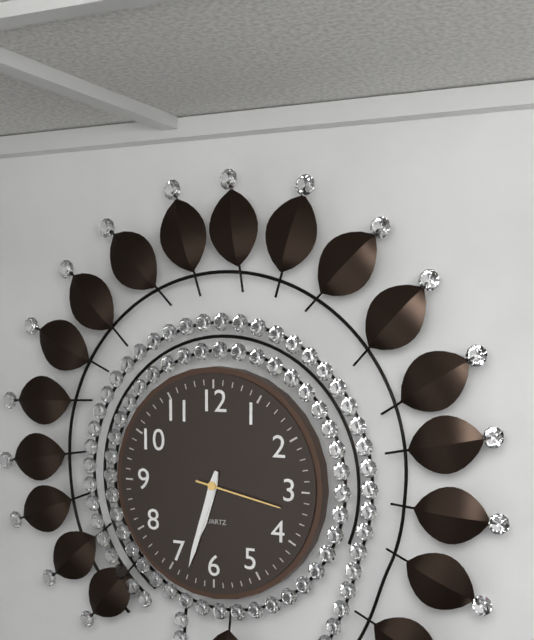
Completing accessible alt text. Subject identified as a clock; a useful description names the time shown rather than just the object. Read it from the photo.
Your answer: 6:33:17
